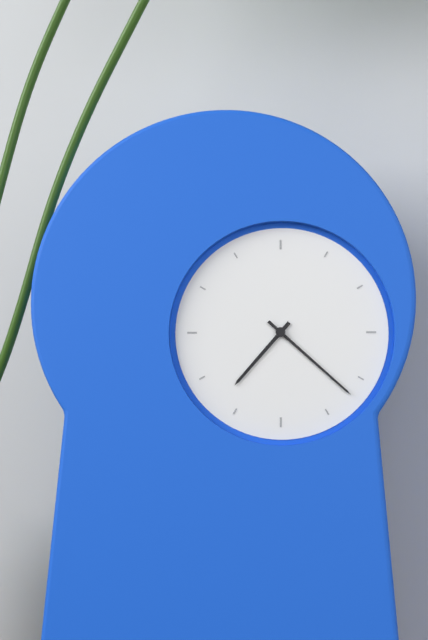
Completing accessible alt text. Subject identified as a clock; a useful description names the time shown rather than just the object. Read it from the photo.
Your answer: 7:22
